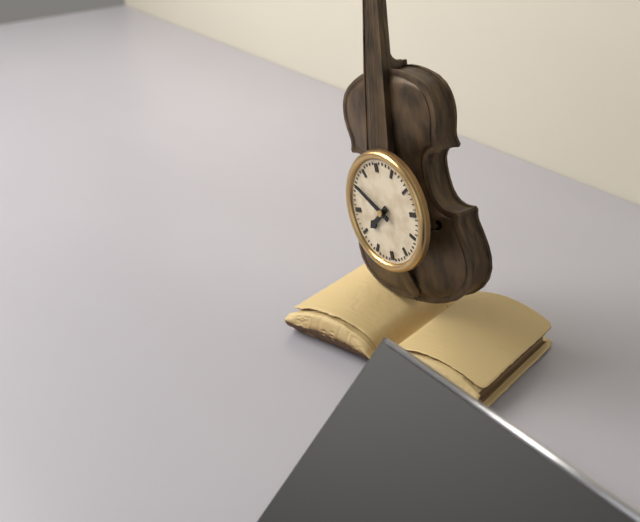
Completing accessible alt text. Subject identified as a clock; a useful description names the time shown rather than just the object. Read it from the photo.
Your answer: 7:51
